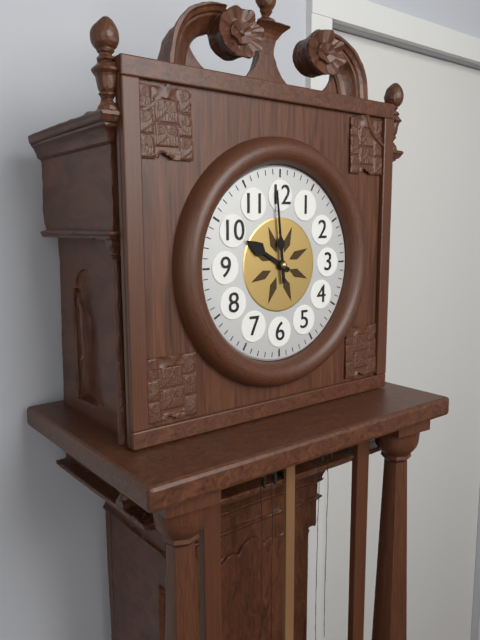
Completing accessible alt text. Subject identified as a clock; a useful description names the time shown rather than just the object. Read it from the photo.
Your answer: 9:59
